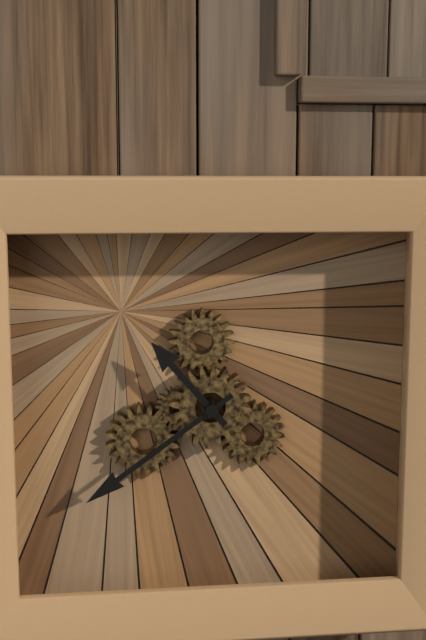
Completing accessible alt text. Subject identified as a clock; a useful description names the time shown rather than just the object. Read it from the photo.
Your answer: 10:39
